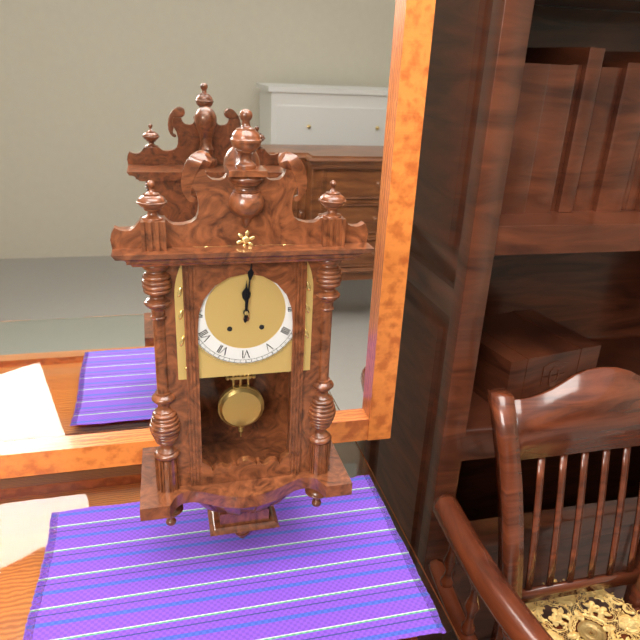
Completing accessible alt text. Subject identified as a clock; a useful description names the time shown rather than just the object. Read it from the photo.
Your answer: 12:01
